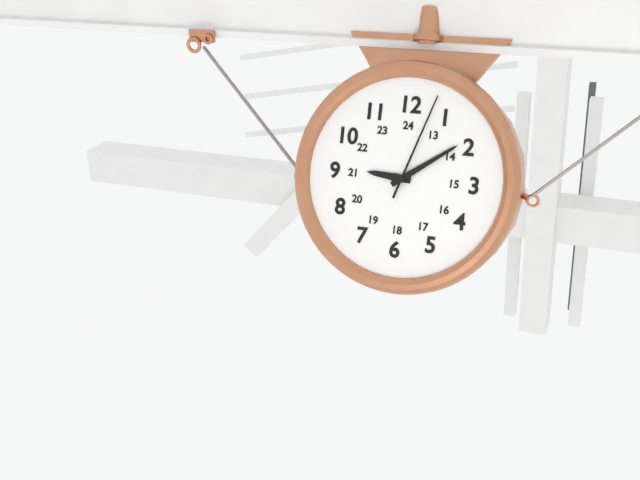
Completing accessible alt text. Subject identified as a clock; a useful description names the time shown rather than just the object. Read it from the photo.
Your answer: 9:09:03
